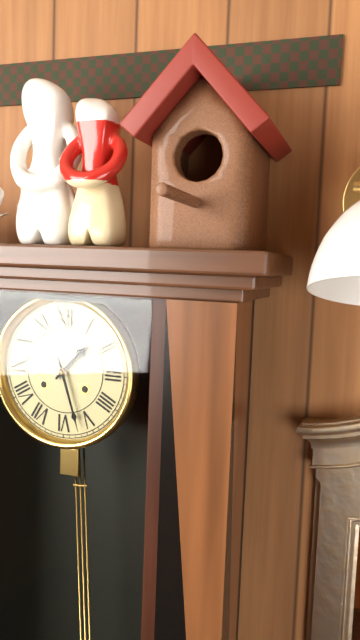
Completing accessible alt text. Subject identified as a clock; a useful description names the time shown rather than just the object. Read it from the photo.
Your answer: 1:27
